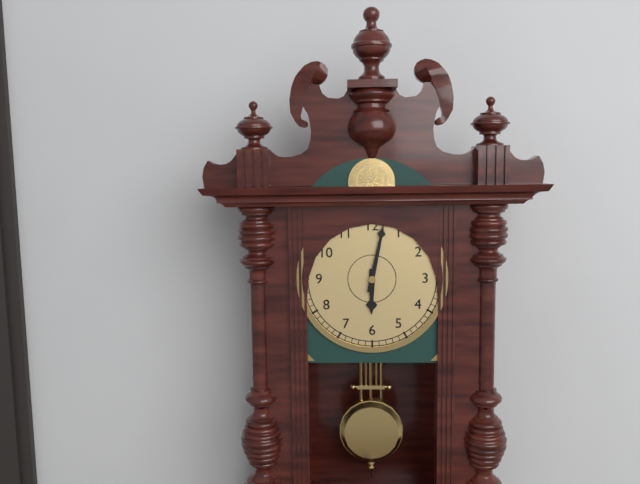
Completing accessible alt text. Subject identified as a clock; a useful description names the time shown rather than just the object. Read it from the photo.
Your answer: 6:02
